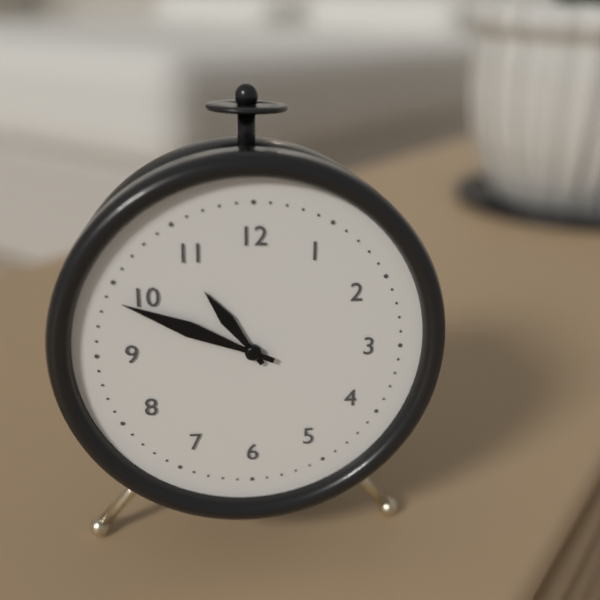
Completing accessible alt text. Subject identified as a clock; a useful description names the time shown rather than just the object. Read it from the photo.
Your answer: 10:49
